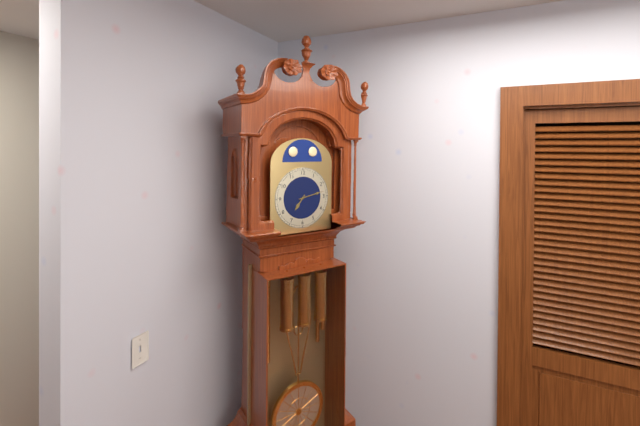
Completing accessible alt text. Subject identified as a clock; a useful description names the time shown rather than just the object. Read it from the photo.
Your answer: 7:13
